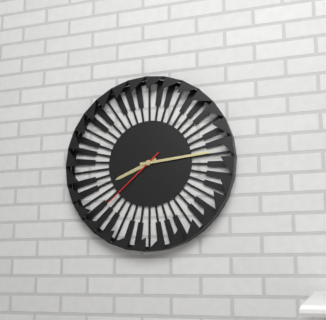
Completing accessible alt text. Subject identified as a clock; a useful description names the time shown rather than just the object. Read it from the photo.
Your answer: 8:14:38
